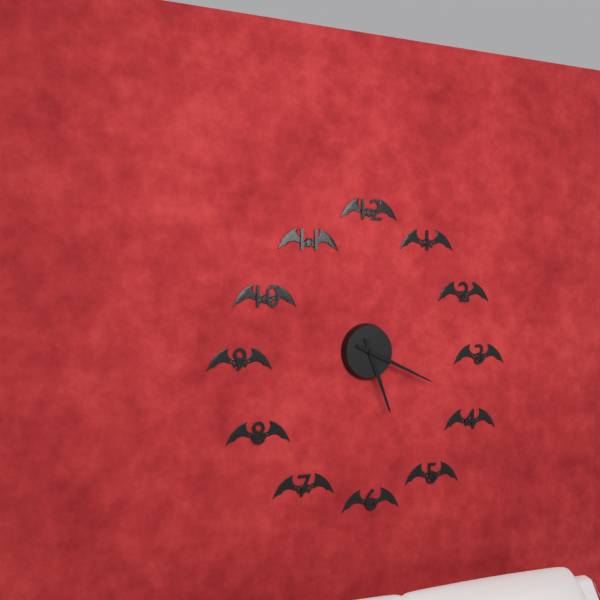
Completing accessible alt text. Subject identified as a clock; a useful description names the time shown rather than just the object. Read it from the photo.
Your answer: 5:19
